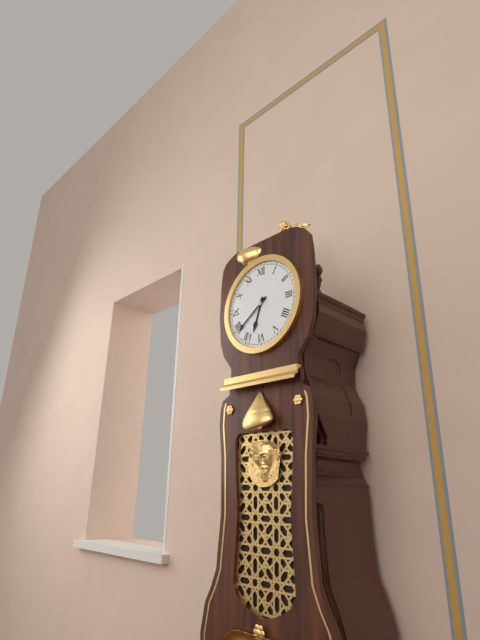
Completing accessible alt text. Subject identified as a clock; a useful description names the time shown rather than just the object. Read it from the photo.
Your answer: 6:39
